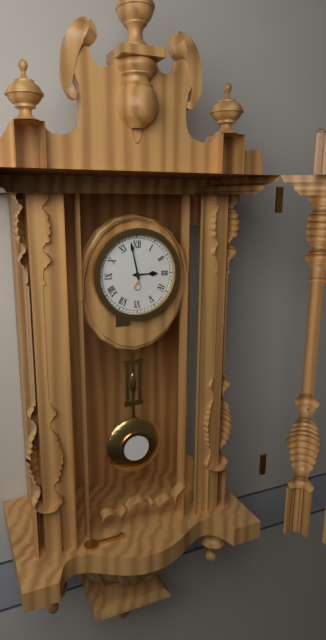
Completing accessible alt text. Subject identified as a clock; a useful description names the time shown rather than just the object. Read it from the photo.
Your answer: 2:58
